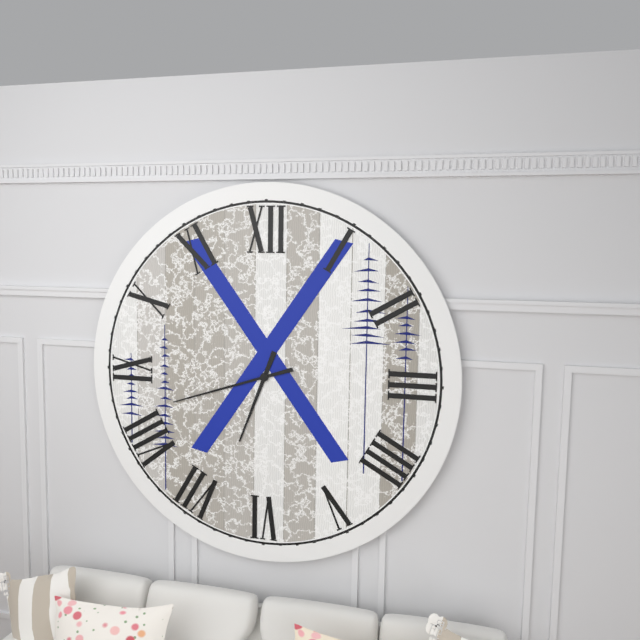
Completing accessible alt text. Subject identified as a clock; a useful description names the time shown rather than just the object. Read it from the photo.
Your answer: 6:42
